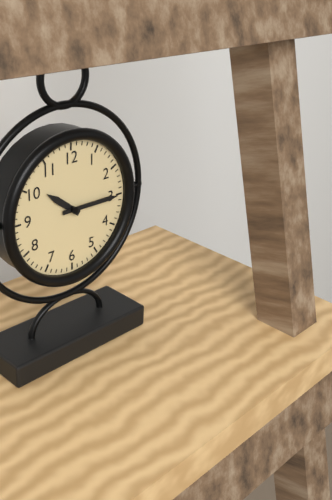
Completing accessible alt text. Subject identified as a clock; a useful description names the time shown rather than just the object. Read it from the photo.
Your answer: 10:15
